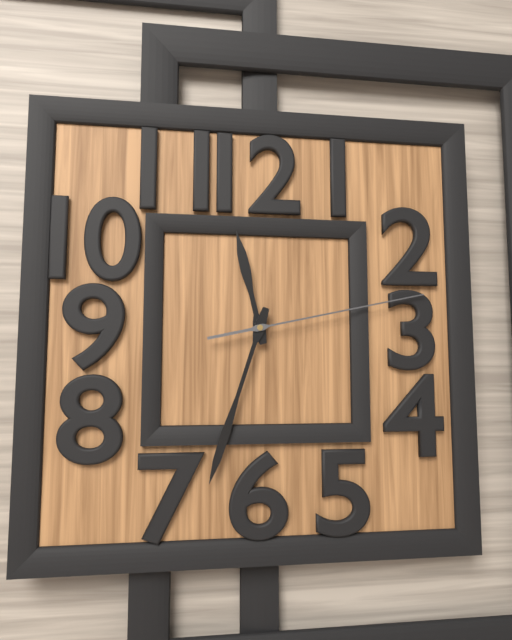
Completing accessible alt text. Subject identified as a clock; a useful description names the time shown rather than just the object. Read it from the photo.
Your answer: 11:33:13
